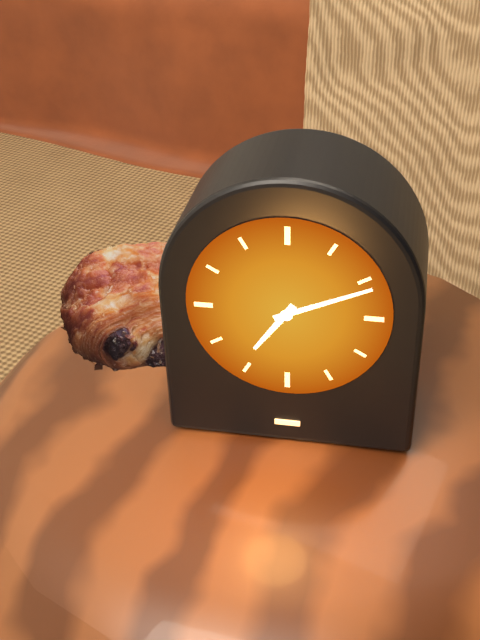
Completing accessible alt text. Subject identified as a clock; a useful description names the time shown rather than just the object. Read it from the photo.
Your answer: 7:11
